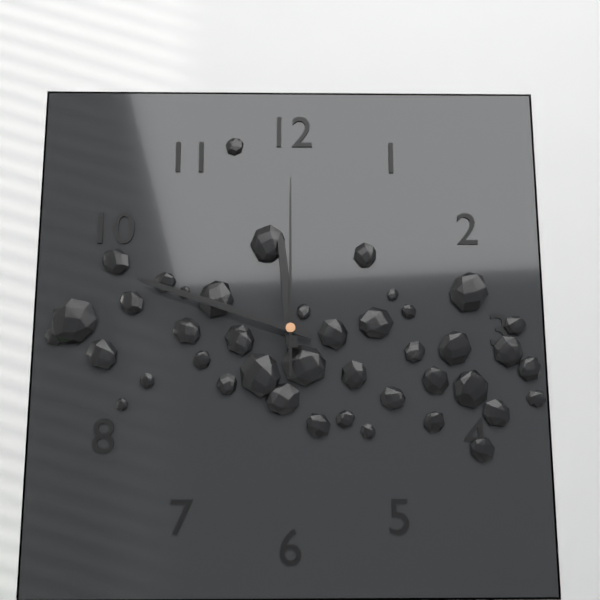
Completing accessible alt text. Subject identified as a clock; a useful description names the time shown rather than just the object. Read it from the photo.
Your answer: 11:48:00
